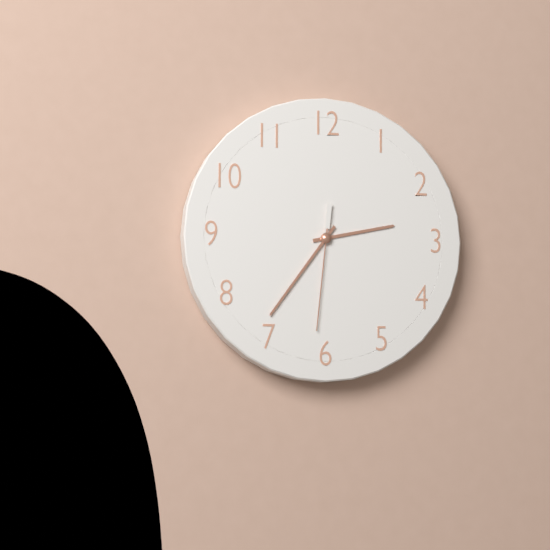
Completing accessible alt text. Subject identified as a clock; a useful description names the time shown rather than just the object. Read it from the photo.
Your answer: 2:36:31
